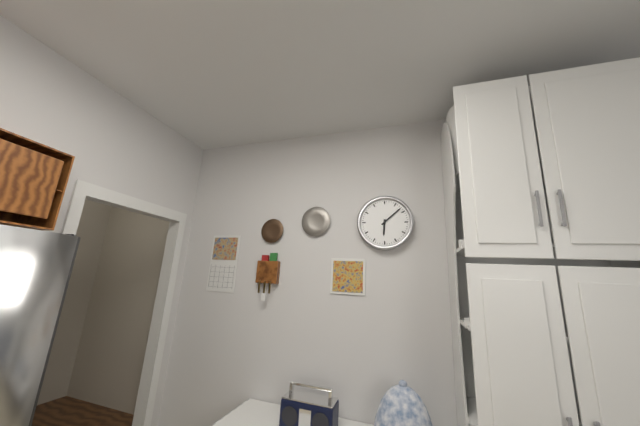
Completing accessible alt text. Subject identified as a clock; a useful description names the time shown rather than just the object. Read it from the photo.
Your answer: 6:08
